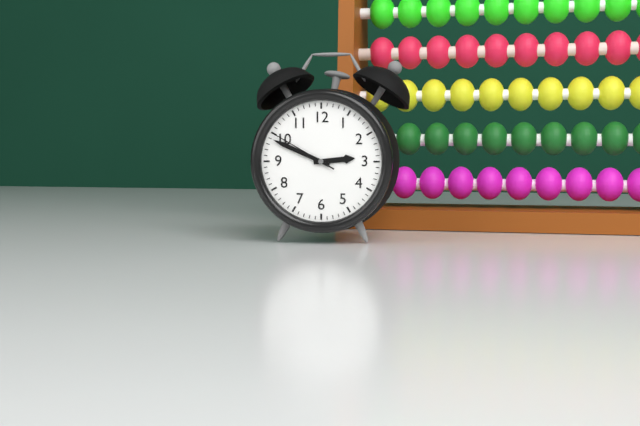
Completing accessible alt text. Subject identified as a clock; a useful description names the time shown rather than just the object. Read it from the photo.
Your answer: 2:49:50
